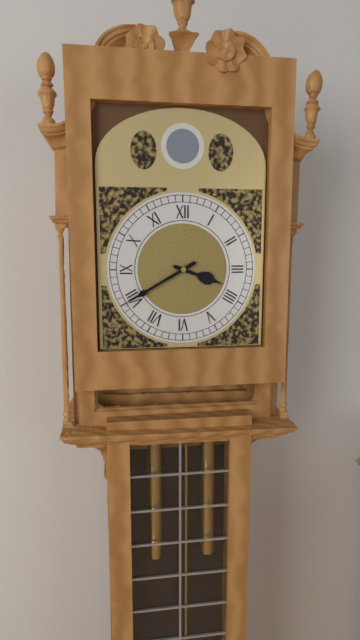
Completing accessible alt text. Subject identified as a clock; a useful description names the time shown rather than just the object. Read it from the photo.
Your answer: 3:40
